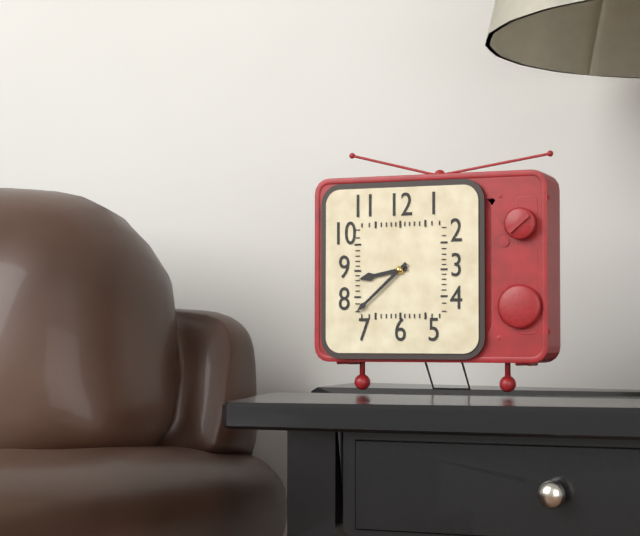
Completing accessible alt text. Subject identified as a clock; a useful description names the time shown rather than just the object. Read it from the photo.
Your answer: 8:38
